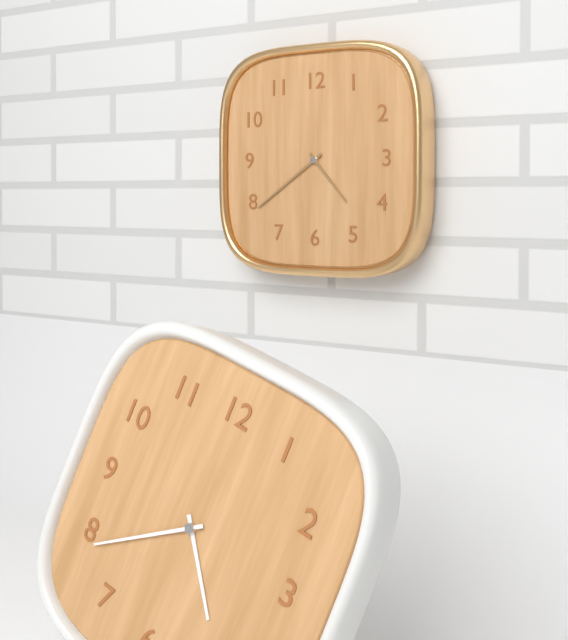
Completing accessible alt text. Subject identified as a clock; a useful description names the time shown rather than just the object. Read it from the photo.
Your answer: 4:39
